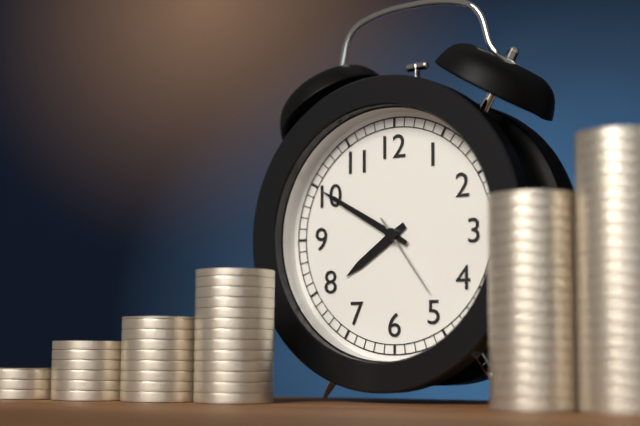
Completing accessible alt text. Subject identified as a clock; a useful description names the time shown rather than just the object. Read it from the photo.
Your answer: 7:50:24
